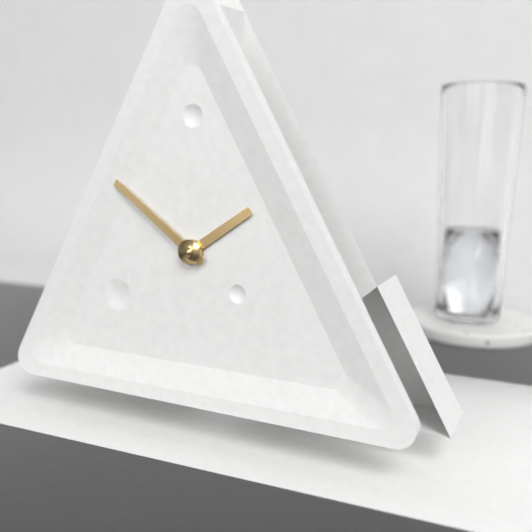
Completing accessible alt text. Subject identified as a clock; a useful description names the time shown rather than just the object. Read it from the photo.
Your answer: 1:51
